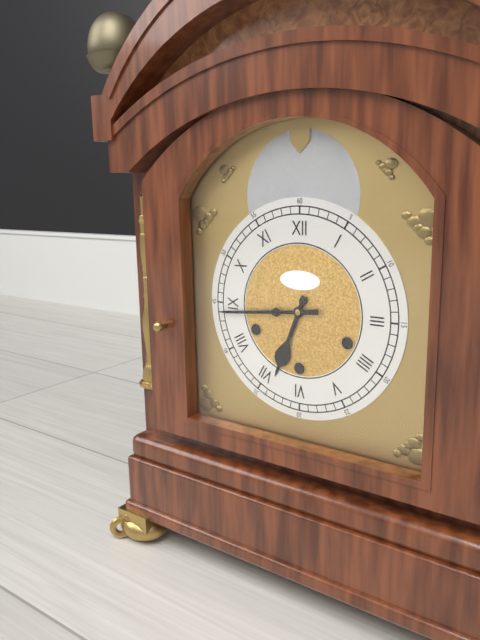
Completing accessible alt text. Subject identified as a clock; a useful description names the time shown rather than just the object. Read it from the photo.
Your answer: 6:44
